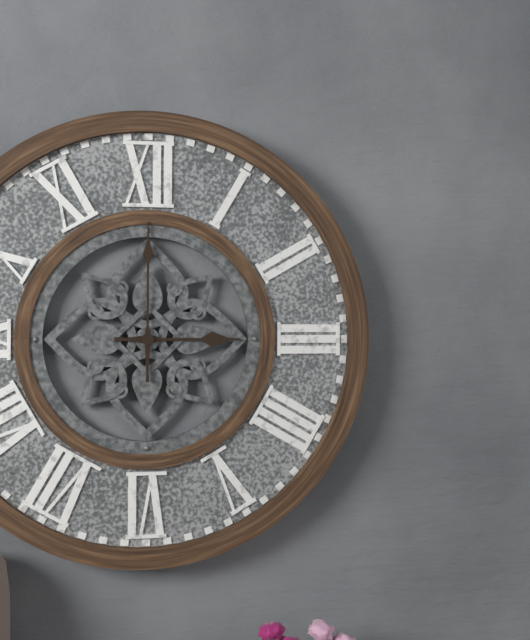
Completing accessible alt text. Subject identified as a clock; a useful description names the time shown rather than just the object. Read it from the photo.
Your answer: 3:00
